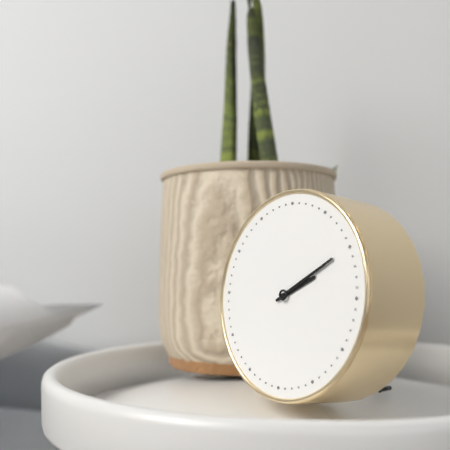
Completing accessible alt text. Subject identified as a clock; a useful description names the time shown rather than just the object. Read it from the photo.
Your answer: 2:10
